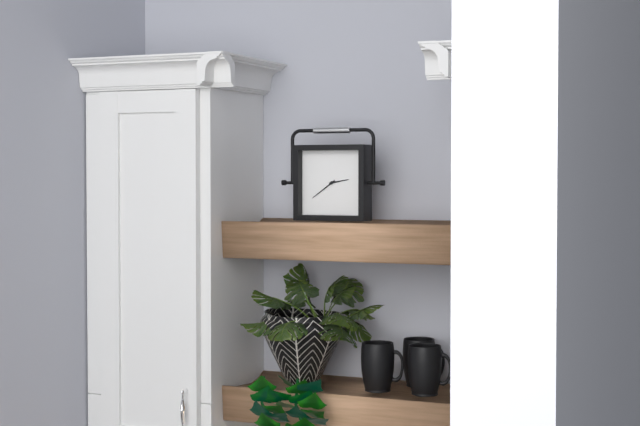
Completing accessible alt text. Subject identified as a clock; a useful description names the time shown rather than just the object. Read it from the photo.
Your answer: 2:39
